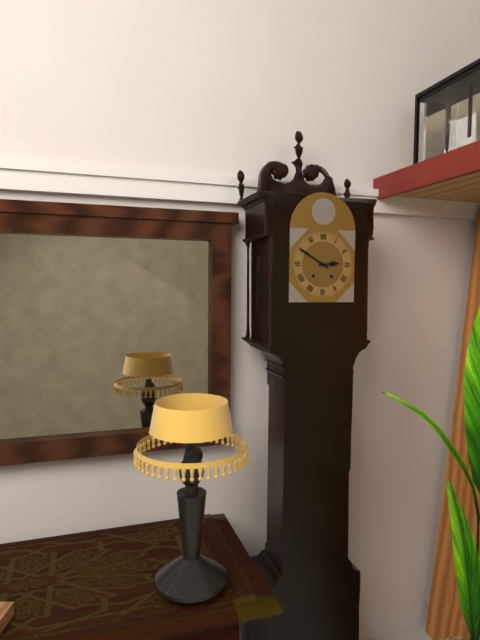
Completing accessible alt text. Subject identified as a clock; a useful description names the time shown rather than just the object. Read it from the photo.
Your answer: 2:50
